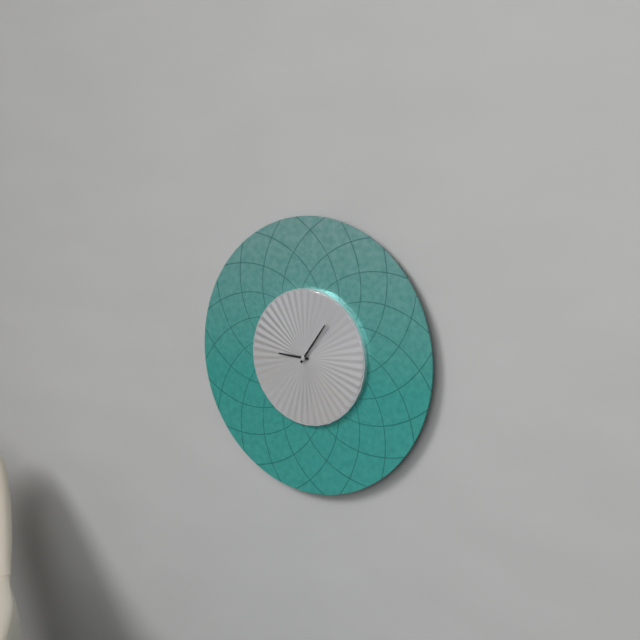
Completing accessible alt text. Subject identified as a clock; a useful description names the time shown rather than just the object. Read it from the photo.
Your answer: 9:06
